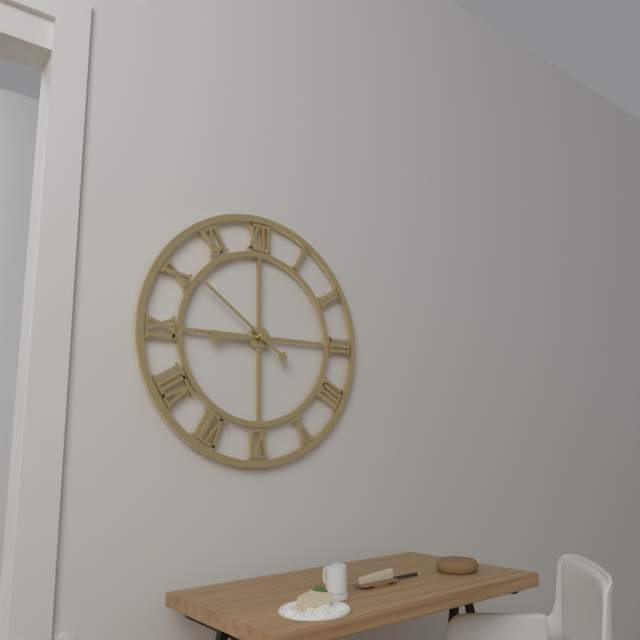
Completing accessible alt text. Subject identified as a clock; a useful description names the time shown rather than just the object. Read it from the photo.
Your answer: 8:51
